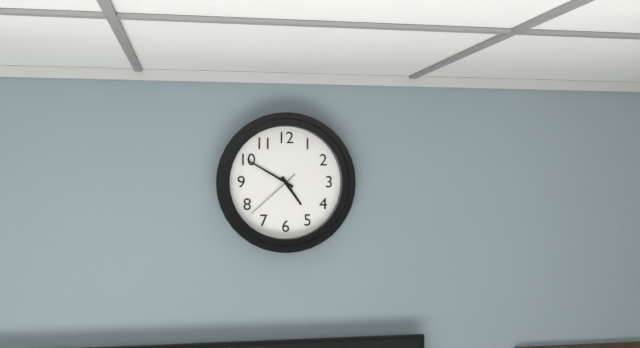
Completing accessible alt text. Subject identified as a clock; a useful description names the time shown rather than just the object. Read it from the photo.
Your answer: 4:50:38
